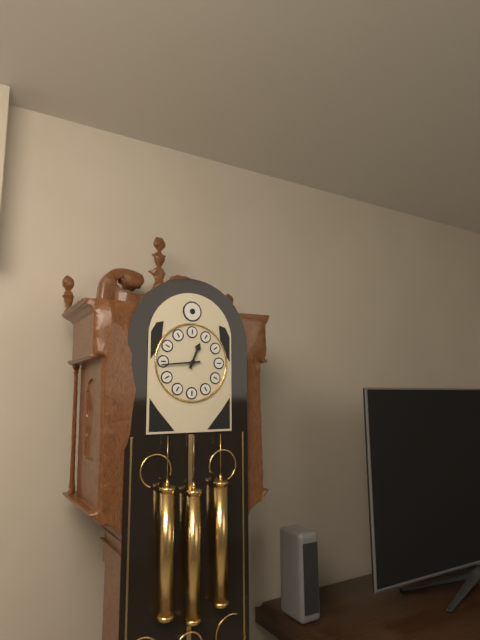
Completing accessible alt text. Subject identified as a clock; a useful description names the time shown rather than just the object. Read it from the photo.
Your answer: 12:44
